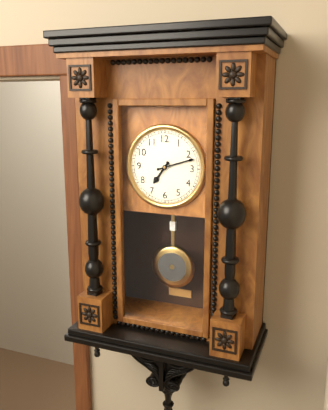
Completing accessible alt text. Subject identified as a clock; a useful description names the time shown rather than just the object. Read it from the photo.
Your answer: 7:12
